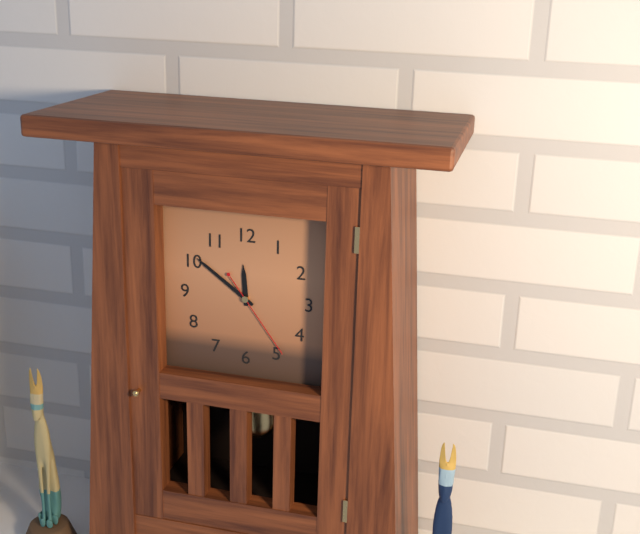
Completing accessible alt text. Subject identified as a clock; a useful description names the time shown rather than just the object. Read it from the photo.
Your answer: 11:51:24
